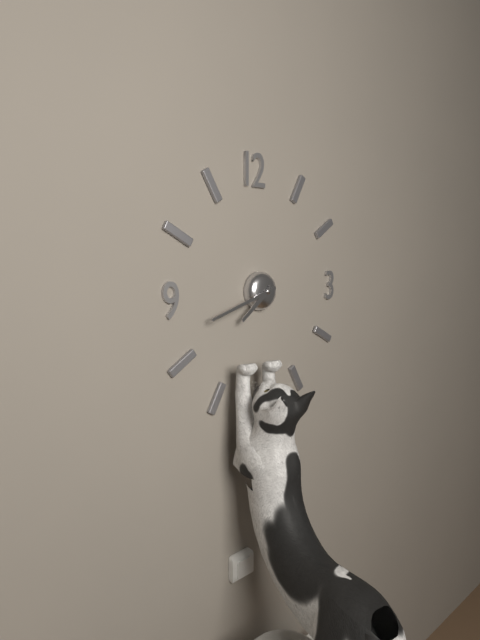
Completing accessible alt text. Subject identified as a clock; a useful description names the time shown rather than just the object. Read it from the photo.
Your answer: 7:42
